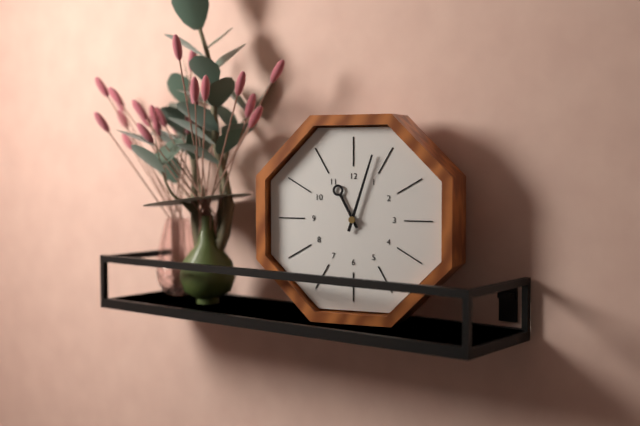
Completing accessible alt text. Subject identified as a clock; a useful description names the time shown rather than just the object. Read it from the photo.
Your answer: 11:03
